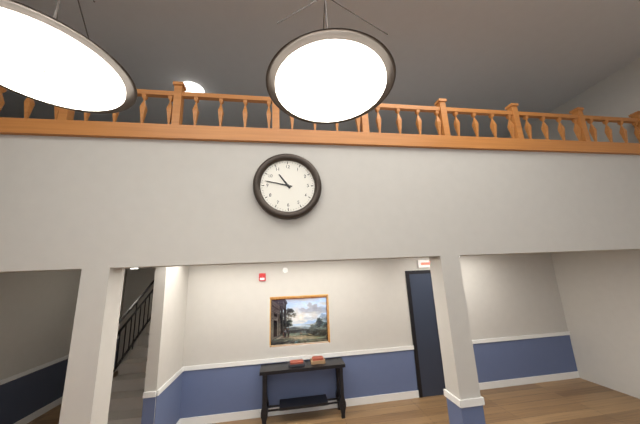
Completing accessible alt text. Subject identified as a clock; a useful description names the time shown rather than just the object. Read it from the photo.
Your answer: 10:47
